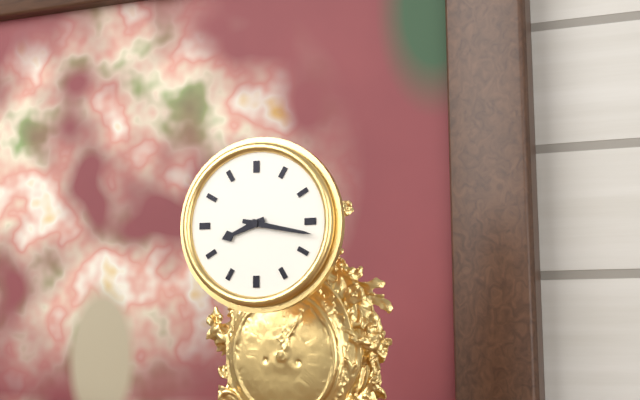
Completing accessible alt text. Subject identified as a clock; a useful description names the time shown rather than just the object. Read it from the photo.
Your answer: 8:17
